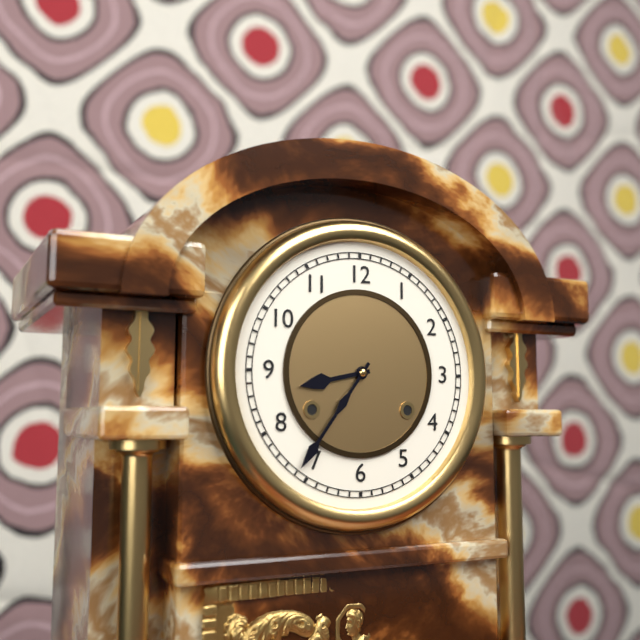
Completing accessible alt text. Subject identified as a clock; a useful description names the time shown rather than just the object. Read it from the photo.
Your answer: 8:36
